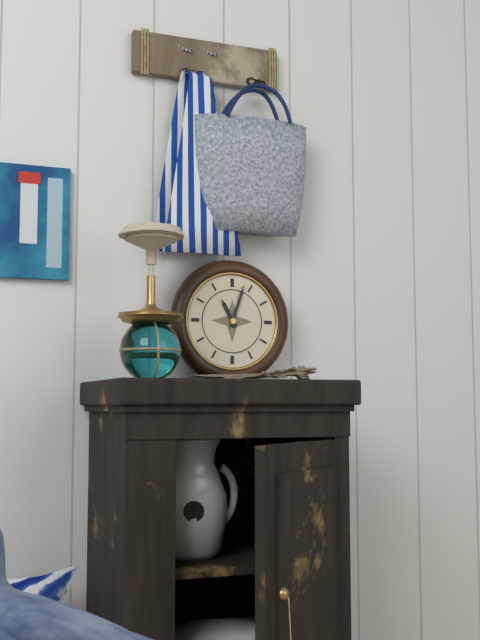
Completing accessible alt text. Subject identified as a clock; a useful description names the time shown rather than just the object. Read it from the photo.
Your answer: 11:03
